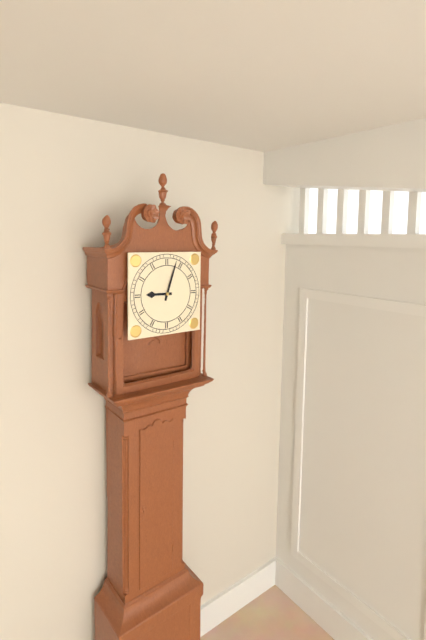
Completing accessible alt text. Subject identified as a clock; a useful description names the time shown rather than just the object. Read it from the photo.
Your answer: 9:03
